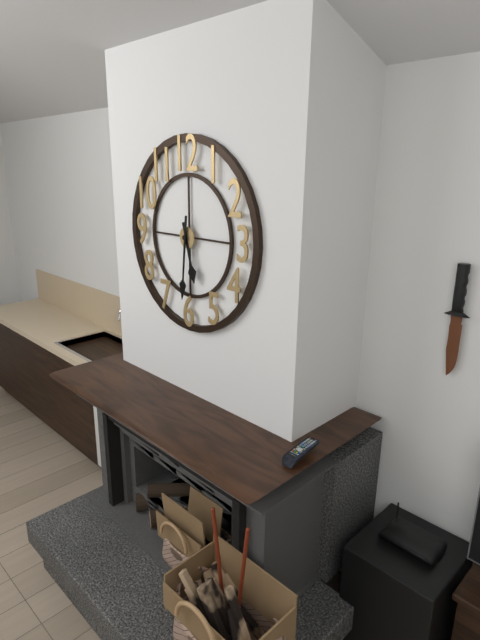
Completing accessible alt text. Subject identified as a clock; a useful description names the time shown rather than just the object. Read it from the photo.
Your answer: 5:31
